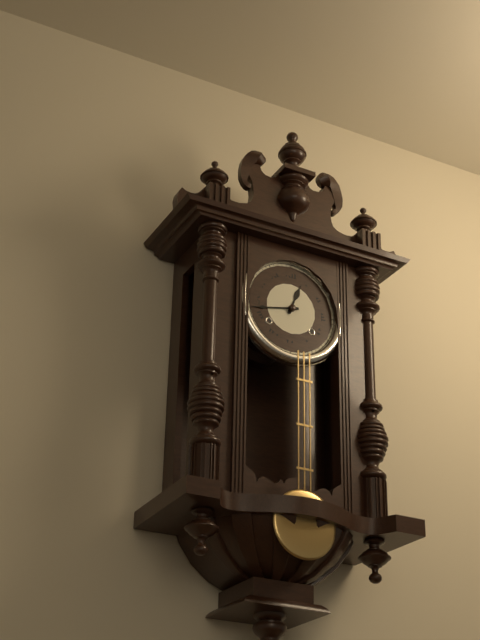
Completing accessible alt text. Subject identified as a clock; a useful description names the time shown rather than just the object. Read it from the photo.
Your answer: 12:43
